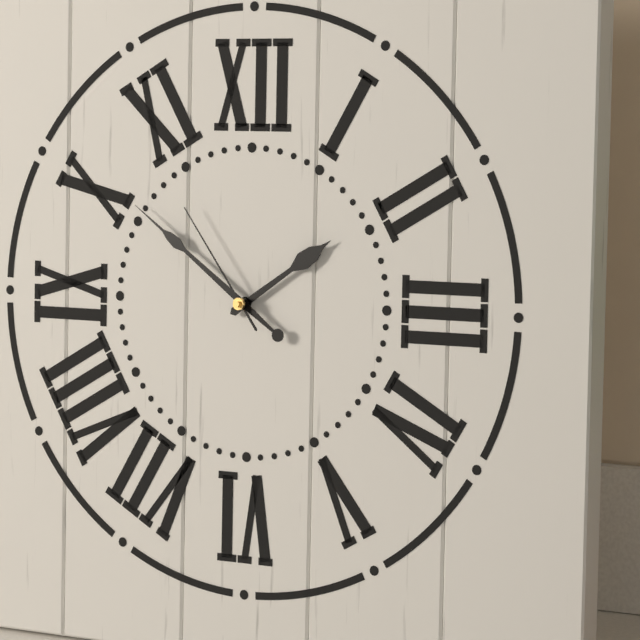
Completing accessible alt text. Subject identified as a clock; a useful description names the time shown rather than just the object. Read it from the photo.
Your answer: 1:51:54
